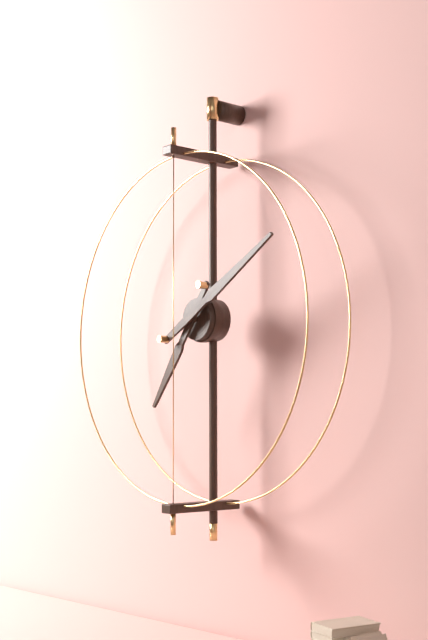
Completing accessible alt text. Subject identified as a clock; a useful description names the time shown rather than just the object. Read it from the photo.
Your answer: 7:10
